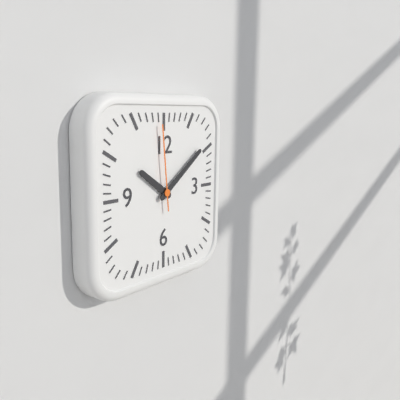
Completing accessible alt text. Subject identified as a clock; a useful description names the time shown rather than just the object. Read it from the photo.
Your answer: 10:09:59
